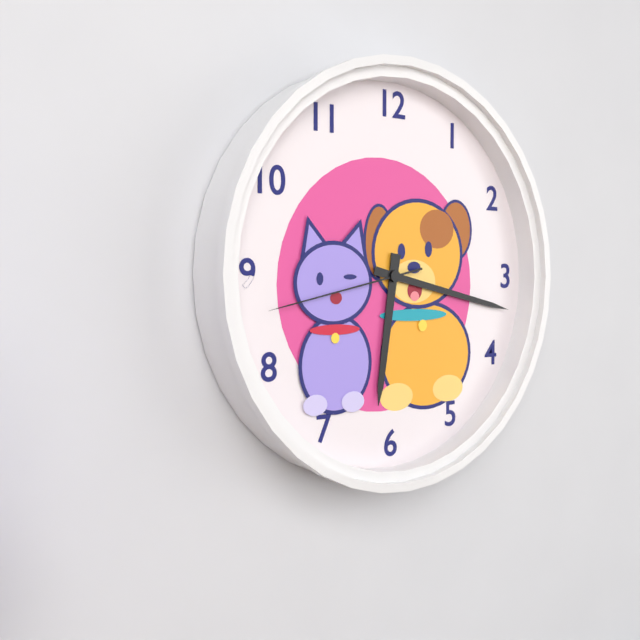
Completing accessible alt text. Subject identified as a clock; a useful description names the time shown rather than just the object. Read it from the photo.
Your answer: 6:17:43
